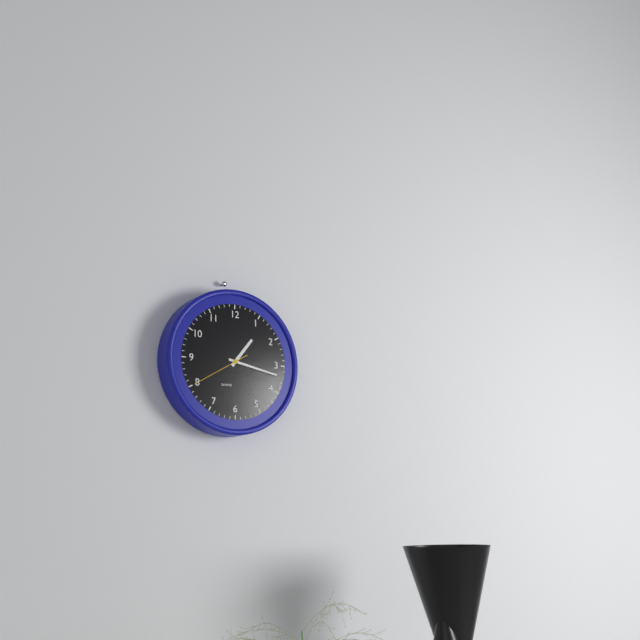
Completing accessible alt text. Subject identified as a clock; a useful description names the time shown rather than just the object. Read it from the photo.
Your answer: 1:17:40
